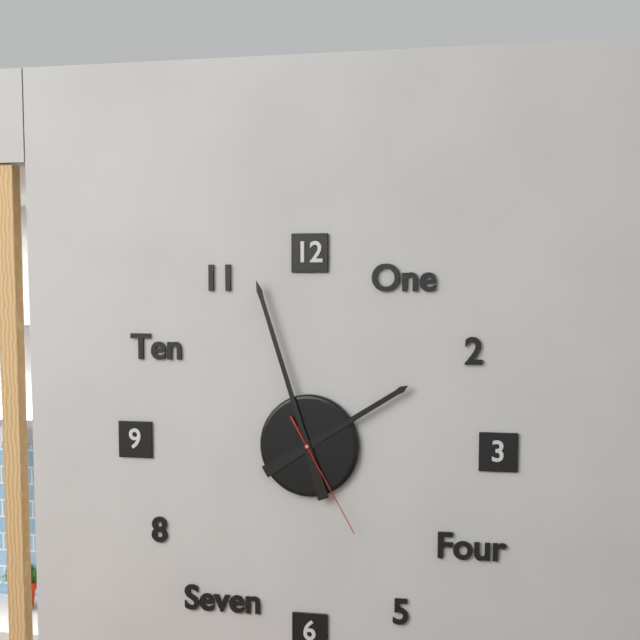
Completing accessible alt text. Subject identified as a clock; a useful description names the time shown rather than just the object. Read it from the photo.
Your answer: 1:57:25
